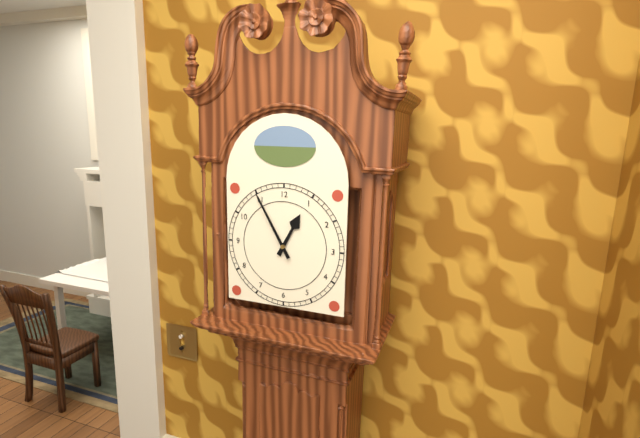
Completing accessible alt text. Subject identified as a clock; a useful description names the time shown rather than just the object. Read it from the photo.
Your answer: 12:55
